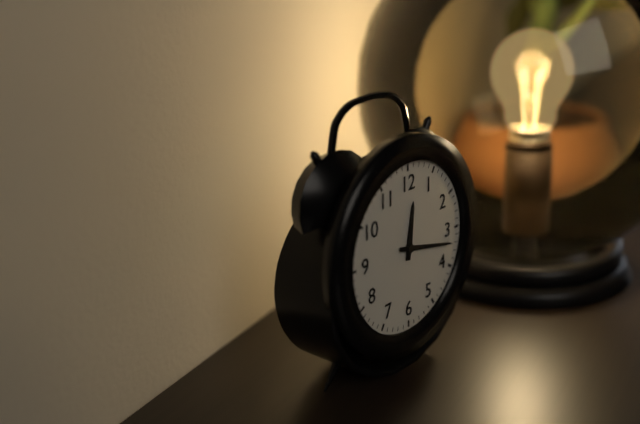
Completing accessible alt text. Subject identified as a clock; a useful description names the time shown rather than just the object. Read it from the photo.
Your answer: 12:17
